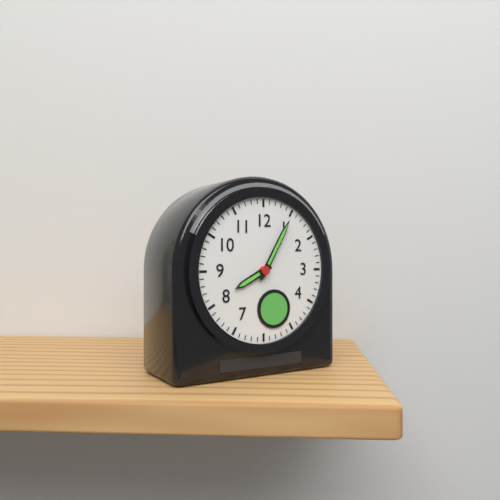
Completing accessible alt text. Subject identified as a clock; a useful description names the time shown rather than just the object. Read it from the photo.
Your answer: 8:05
